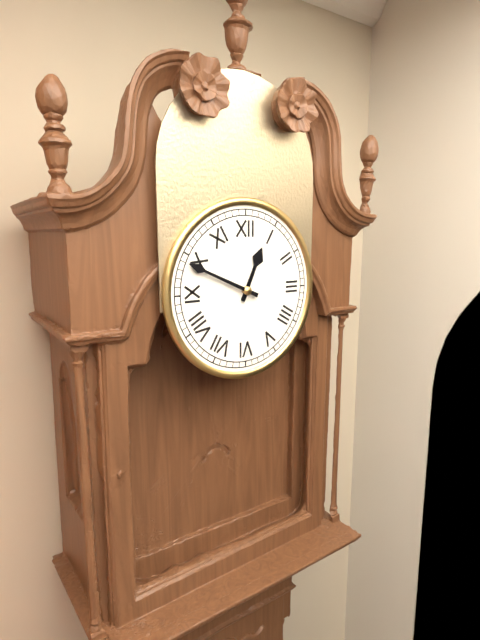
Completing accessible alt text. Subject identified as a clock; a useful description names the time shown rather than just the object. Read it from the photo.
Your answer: 12:49
